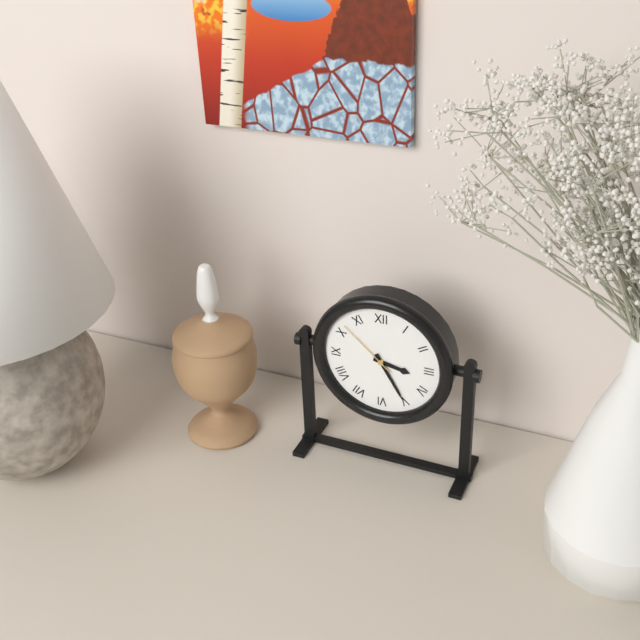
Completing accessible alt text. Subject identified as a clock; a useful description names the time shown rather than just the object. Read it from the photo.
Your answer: 3:25:52
